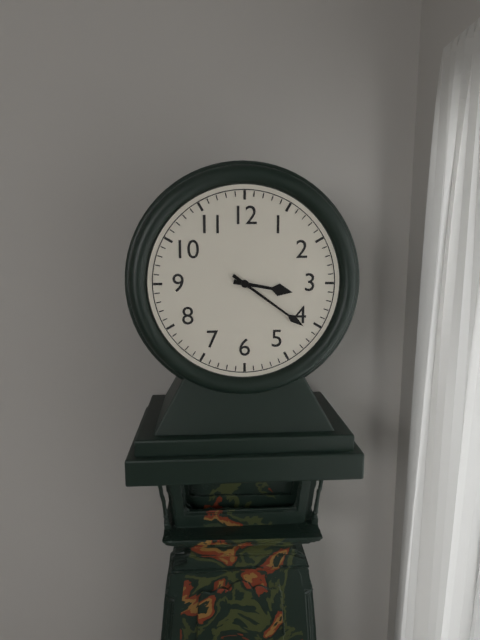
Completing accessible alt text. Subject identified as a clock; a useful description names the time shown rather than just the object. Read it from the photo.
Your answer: 3:21
